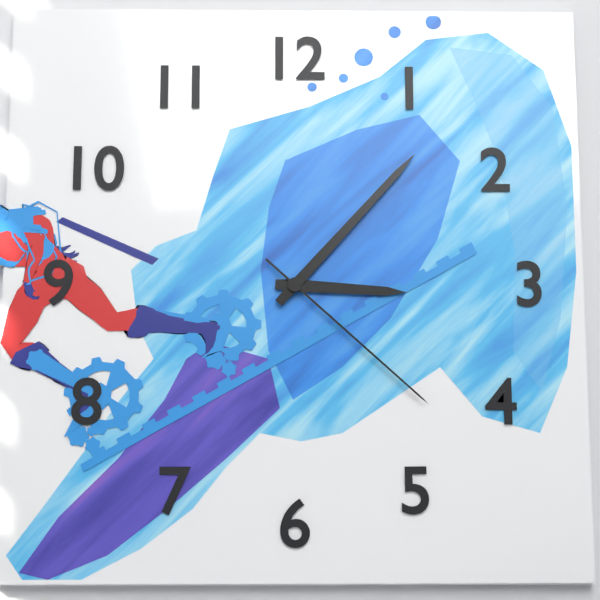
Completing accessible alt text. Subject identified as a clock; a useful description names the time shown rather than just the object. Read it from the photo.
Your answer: 3:07:22
